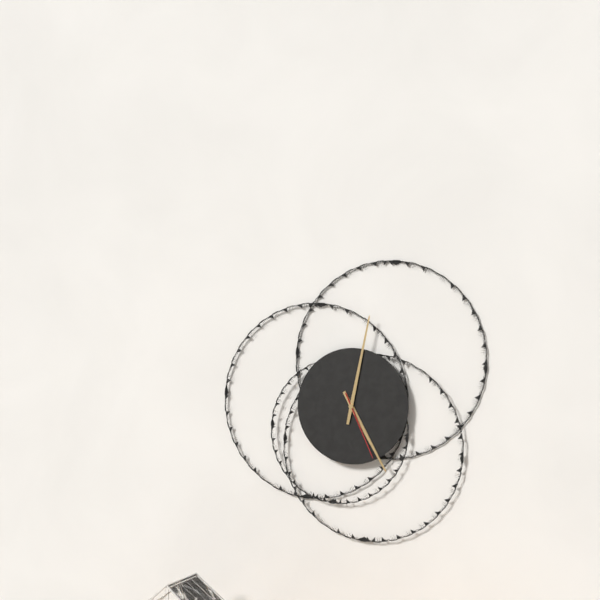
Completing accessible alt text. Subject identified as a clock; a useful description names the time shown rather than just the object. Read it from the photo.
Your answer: 5:02:26
